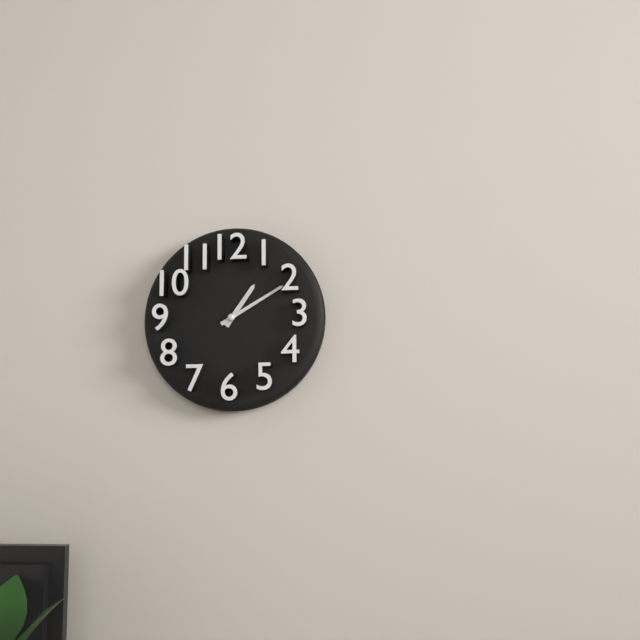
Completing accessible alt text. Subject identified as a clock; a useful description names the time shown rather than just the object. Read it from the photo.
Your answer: 1:10
